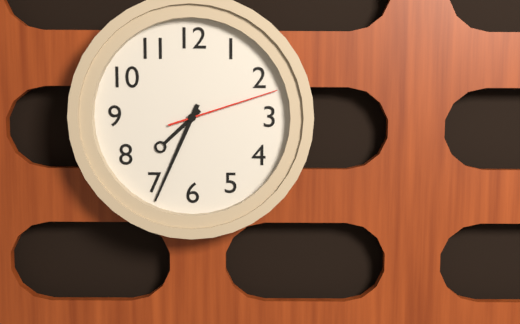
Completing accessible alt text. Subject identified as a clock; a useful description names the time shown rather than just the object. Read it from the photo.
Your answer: 7:34:12
